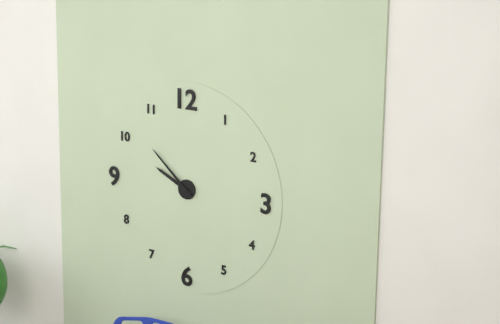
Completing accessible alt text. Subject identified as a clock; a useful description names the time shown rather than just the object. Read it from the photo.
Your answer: 9:52
